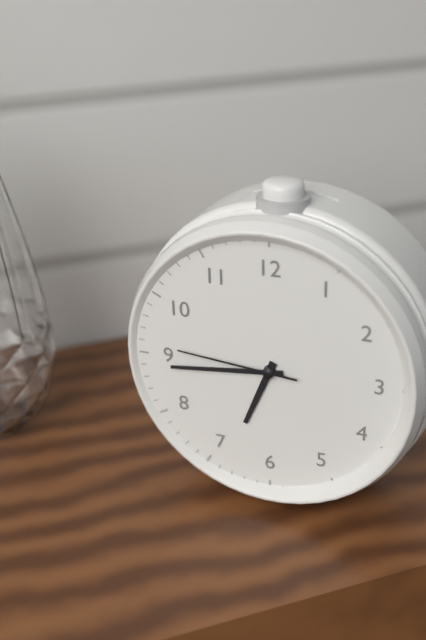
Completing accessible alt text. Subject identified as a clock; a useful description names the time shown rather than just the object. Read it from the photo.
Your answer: 6:44:46
